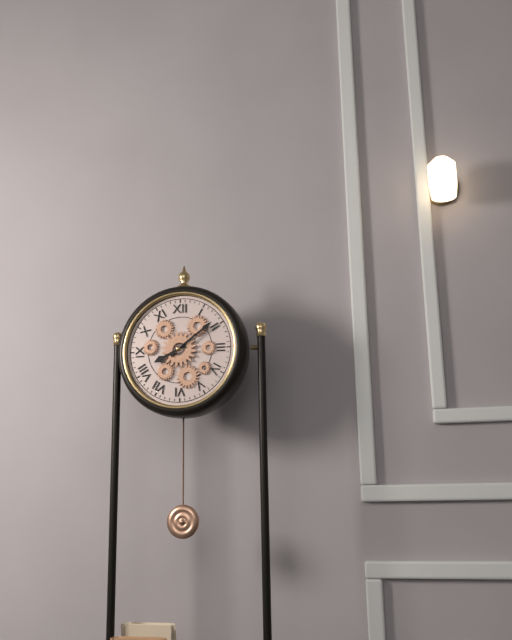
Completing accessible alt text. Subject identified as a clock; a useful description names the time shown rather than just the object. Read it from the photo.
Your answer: 8:09
